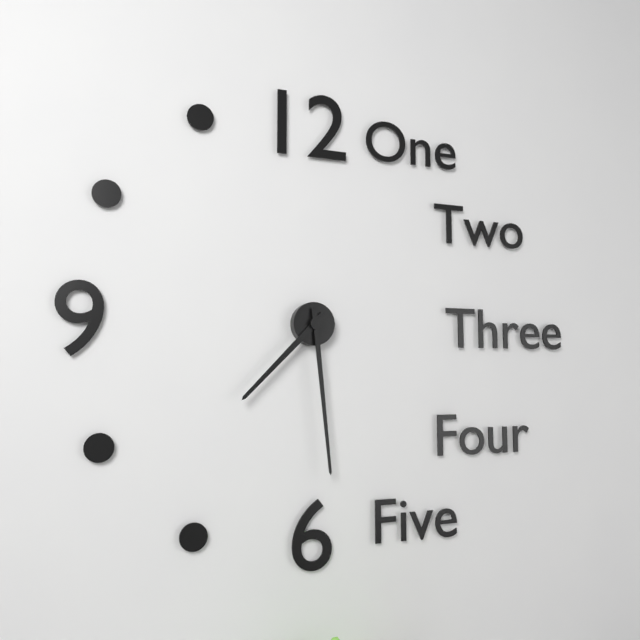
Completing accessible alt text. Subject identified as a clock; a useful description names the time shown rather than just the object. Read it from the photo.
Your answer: 7:29
